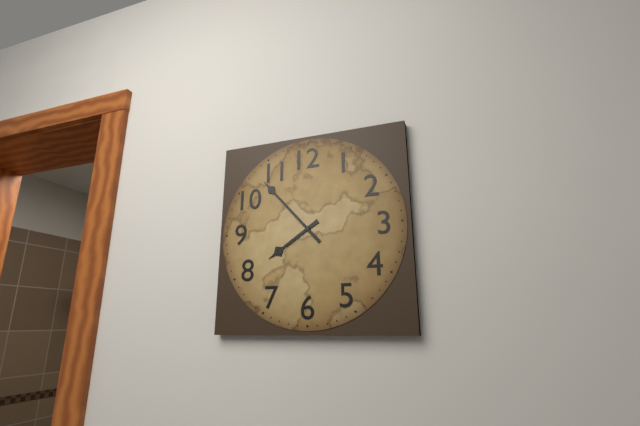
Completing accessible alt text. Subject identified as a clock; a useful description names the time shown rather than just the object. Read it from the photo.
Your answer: 7:53
